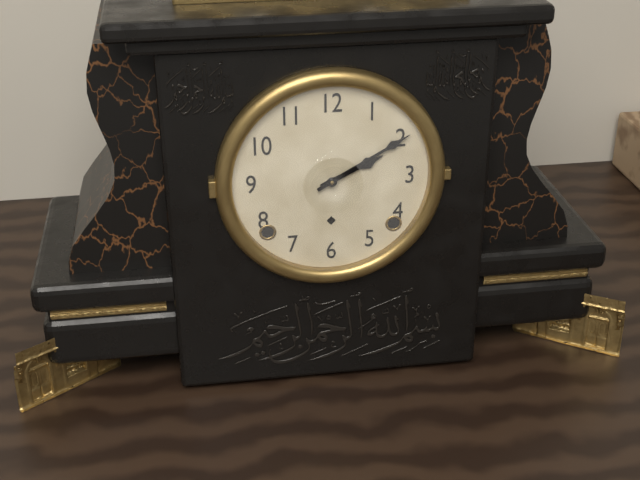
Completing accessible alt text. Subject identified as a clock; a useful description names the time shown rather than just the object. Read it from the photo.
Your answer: 2:10
